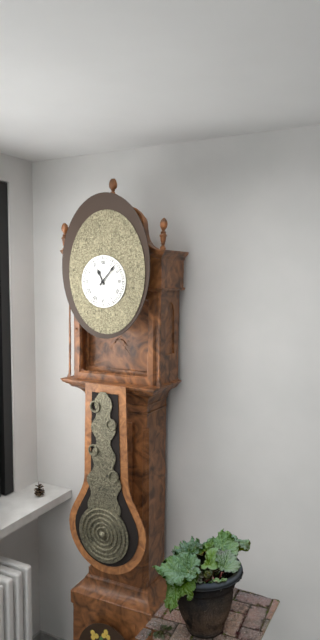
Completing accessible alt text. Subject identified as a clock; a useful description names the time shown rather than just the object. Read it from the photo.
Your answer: 11:07
